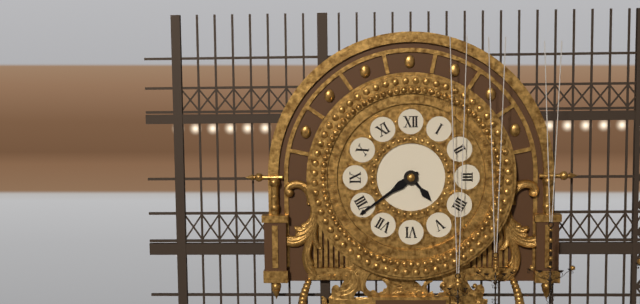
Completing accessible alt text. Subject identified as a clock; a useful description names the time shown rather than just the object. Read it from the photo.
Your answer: 4:39
